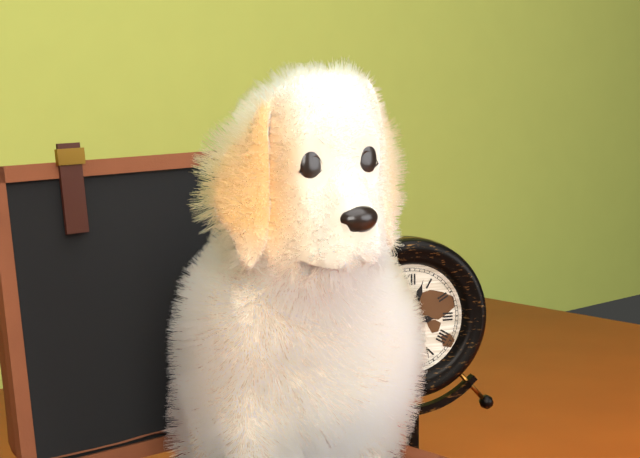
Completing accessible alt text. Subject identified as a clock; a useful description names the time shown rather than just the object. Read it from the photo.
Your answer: 3:03
